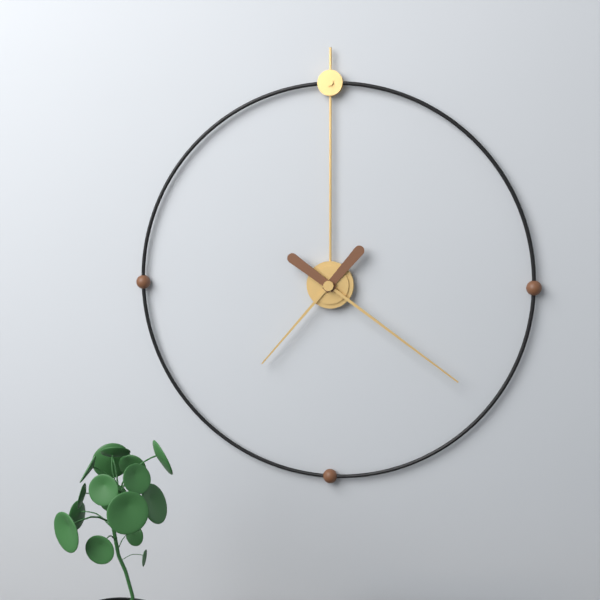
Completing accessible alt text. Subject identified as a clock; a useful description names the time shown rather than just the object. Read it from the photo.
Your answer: 7:21
